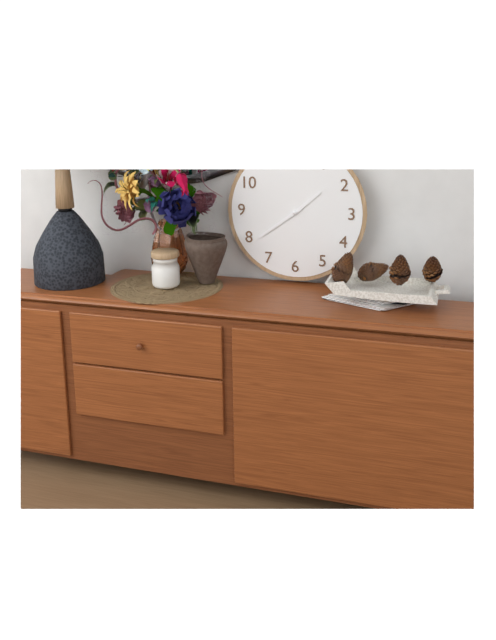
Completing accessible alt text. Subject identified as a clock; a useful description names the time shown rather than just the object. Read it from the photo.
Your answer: 1:39
